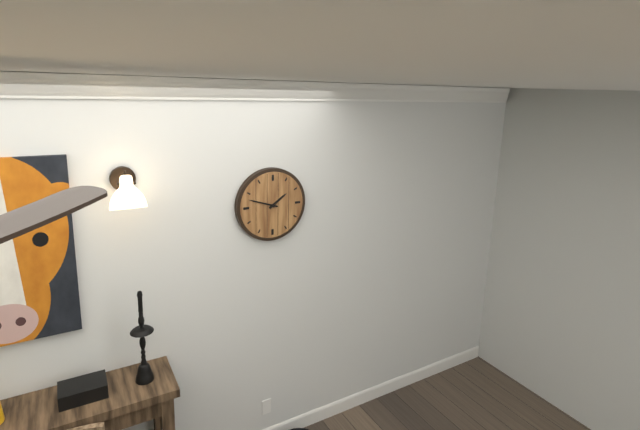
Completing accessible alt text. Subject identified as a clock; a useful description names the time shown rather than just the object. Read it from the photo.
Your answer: 1:48
